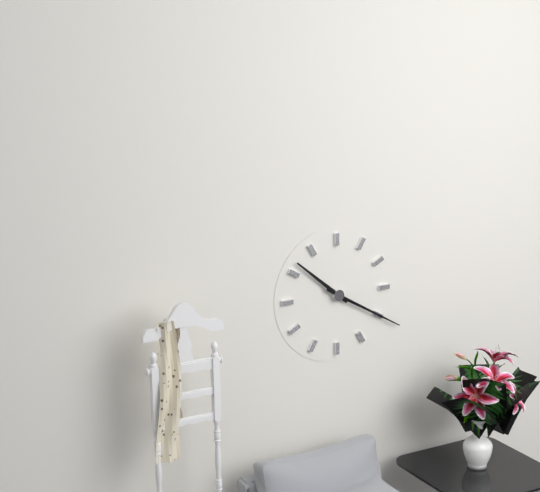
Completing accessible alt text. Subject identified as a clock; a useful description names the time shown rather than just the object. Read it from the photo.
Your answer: 10:20
